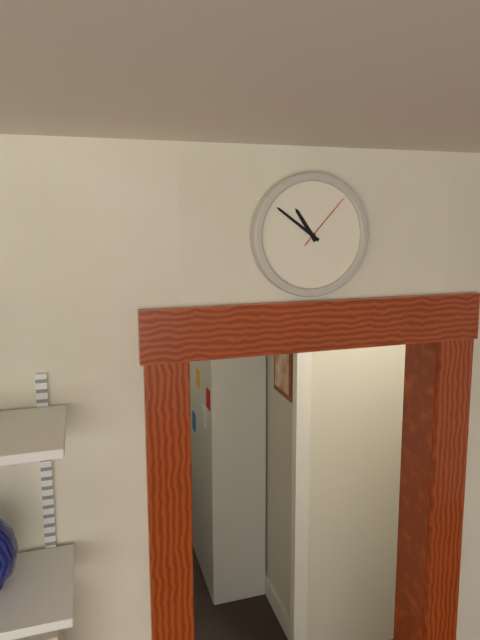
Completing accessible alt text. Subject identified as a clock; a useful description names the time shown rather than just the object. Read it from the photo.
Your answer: 10:51:07
